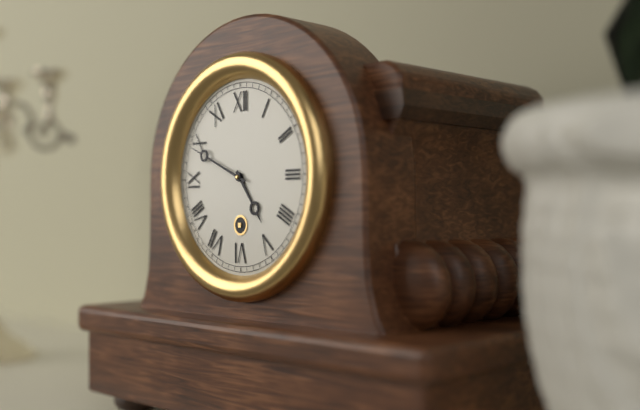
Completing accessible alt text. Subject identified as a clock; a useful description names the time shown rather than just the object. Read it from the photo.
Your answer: 4:49
